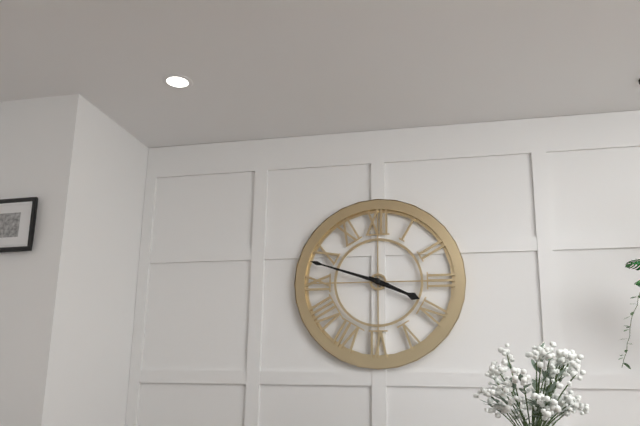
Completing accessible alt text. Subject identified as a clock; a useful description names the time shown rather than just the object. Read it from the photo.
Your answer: 3:48
